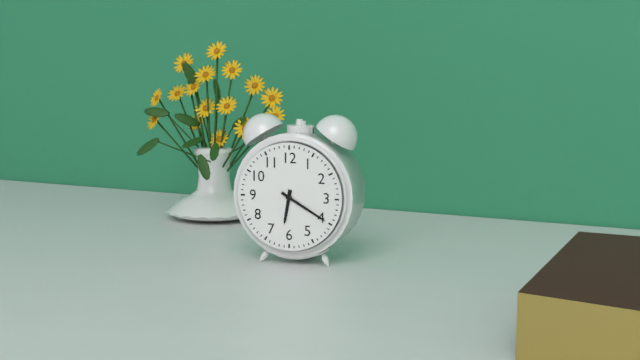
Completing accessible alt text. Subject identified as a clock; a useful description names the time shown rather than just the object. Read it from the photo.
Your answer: 6:20
